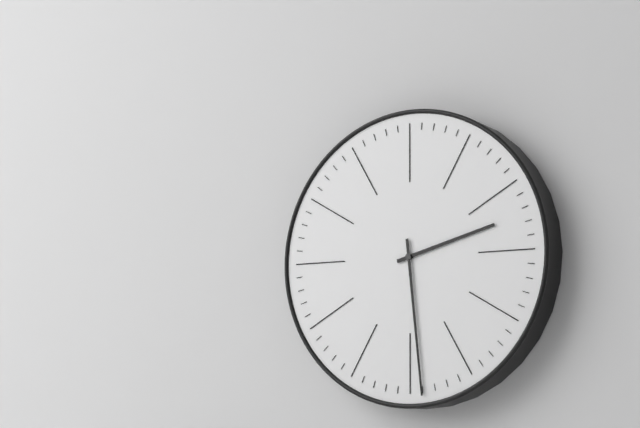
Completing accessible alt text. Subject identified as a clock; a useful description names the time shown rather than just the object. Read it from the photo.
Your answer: 2:29
